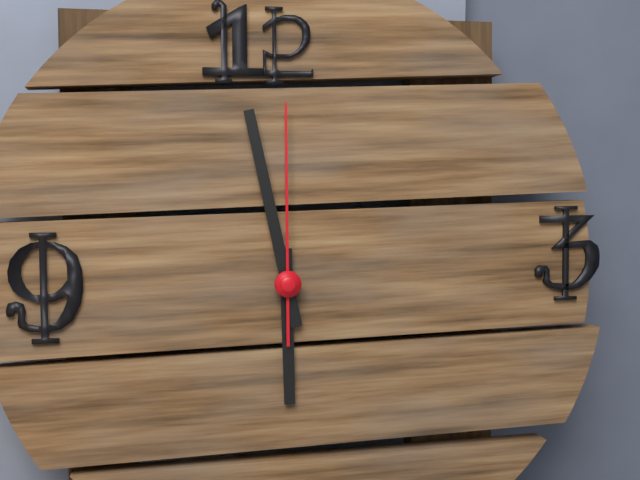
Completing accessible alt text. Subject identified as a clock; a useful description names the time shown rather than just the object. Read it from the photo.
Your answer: 5:58:00
